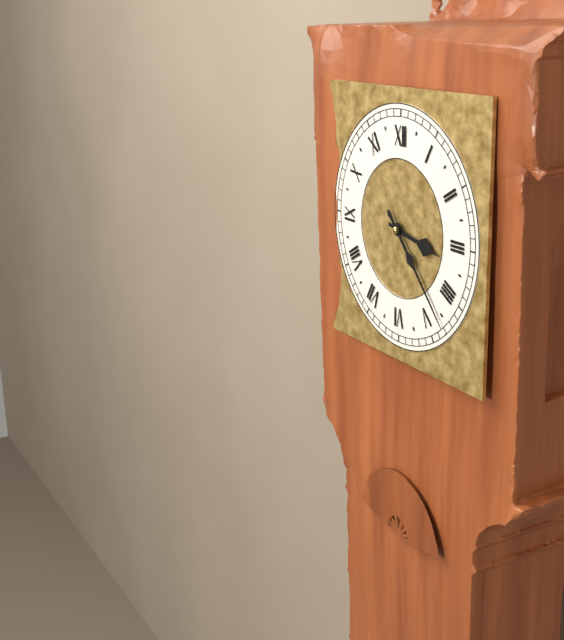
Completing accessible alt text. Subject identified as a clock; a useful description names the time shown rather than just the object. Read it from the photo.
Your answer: 3:23
